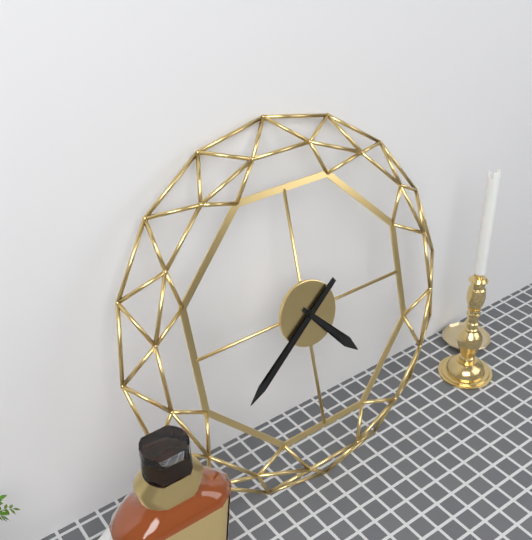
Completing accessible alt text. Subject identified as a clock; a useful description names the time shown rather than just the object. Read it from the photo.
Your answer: 4:39
